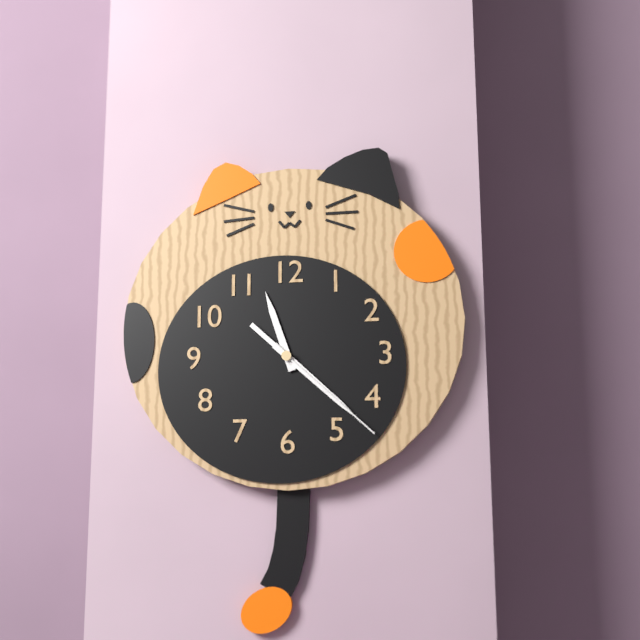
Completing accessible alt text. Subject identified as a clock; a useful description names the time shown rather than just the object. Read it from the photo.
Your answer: 11:22:22
